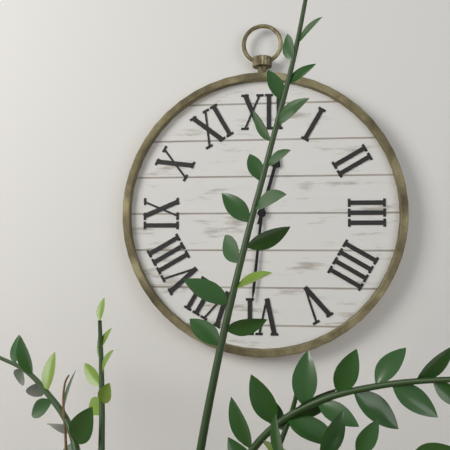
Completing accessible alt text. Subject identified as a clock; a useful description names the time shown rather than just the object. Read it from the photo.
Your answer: 12:31
